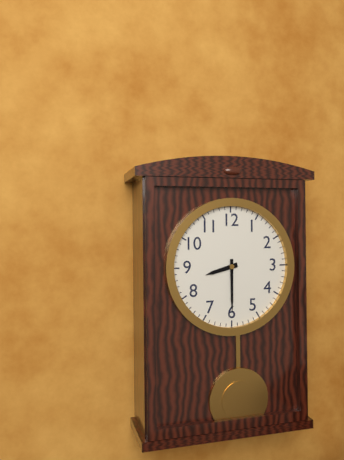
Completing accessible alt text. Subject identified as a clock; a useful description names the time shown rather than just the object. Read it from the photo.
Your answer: 8:30
